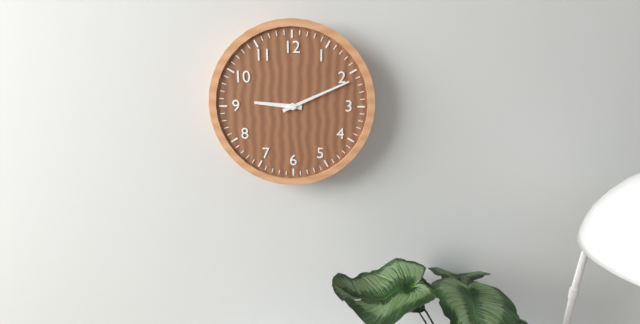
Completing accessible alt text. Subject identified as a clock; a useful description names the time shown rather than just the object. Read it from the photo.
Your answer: 9:11
